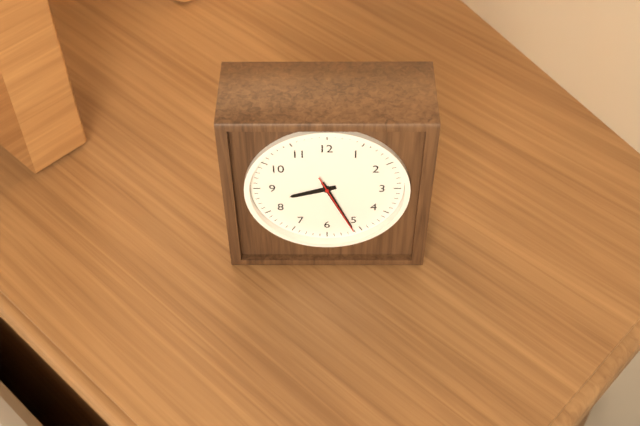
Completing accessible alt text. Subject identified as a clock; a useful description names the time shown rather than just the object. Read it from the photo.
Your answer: 8:26:26
